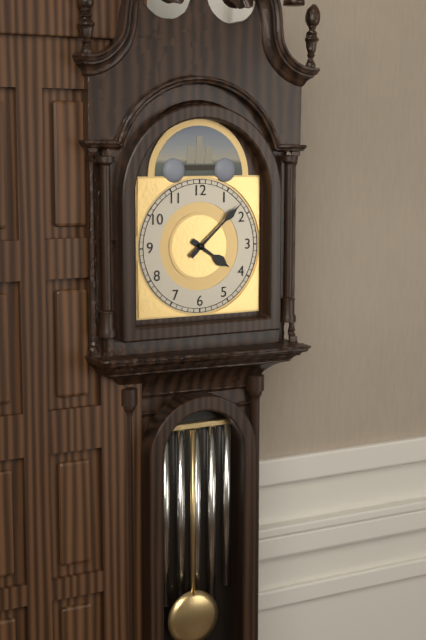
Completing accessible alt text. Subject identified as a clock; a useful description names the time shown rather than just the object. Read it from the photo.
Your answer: 4:08
